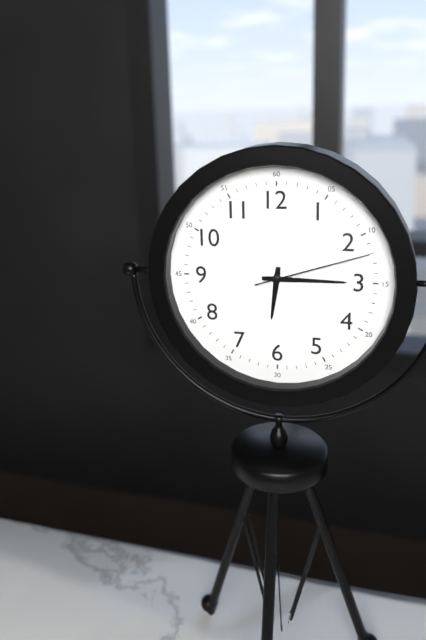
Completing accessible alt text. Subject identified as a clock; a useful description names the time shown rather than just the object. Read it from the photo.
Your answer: 6:15:12
